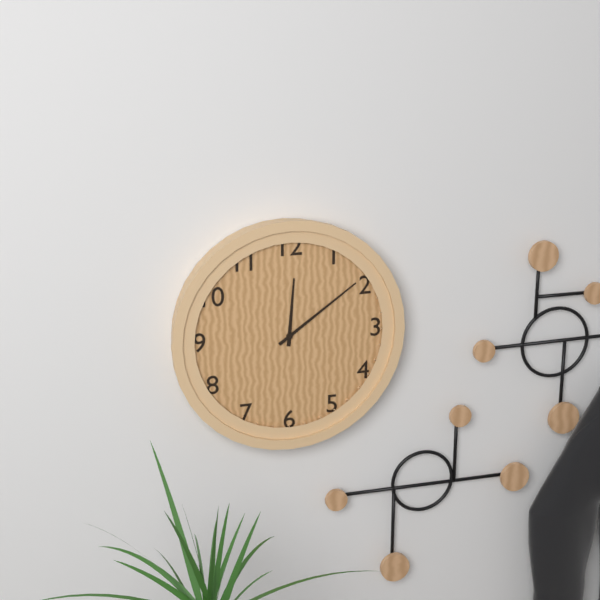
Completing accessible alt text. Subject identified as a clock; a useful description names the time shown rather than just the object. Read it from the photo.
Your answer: 12:09
